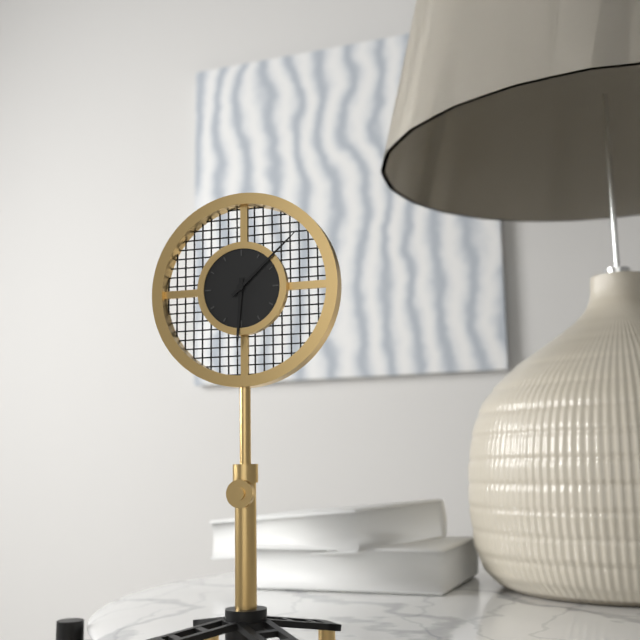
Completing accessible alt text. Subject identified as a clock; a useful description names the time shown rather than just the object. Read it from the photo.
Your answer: 6:08
